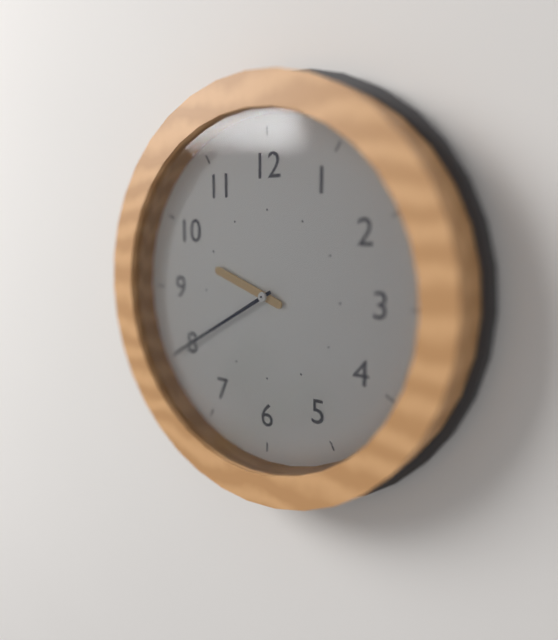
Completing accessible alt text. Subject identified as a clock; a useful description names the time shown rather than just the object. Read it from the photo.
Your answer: 9:40
